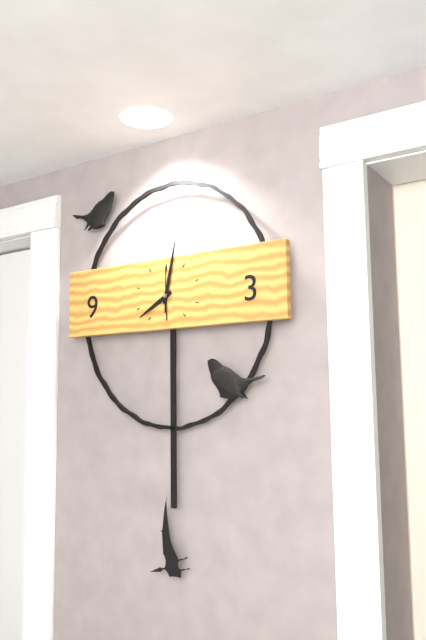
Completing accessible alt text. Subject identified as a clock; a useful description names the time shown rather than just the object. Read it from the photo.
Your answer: 8:02
